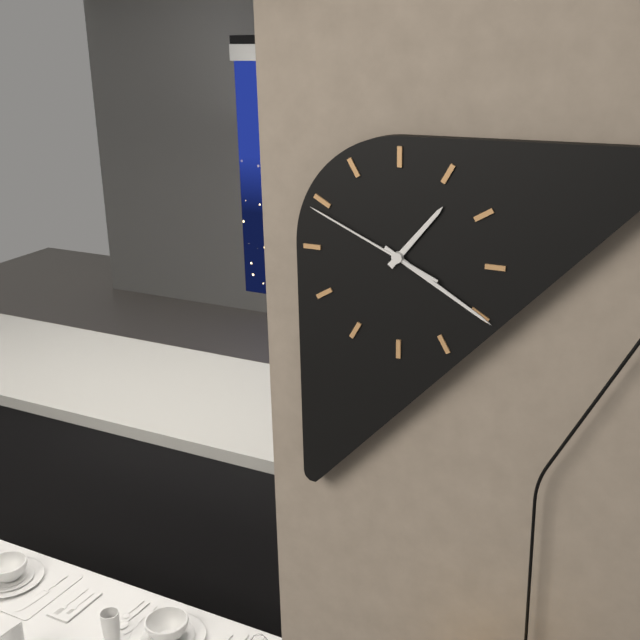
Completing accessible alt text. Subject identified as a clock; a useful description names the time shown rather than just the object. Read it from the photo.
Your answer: 1:20:49
